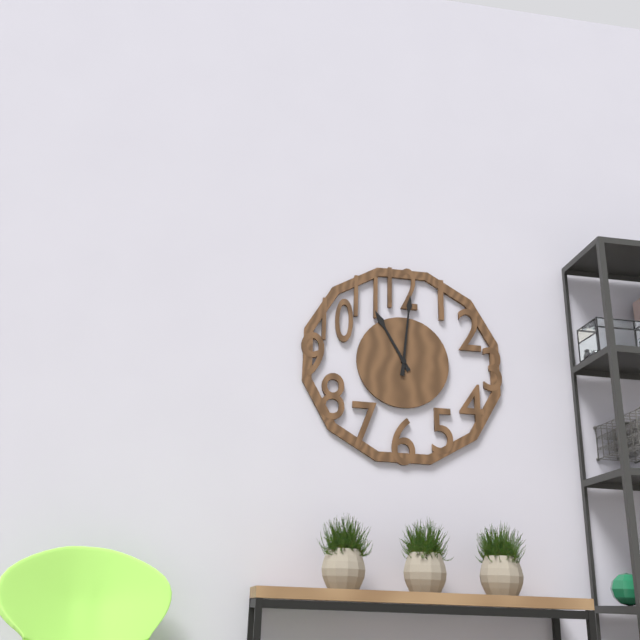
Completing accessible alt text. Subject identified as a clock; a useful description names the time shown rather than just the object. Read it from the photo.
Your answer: 11:01
